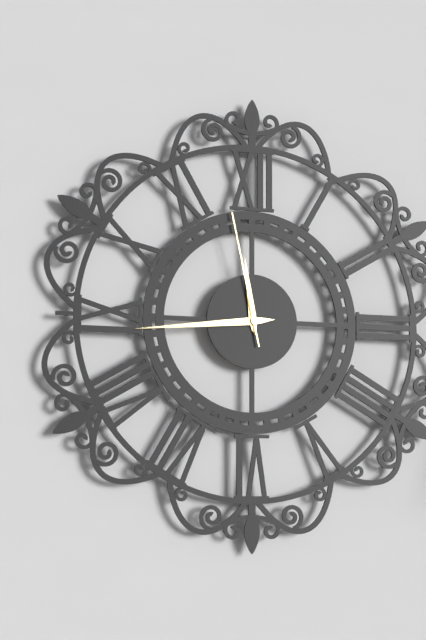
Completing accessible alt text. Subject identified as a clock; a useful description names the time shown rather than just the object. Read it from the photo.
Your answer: 11:44:58
